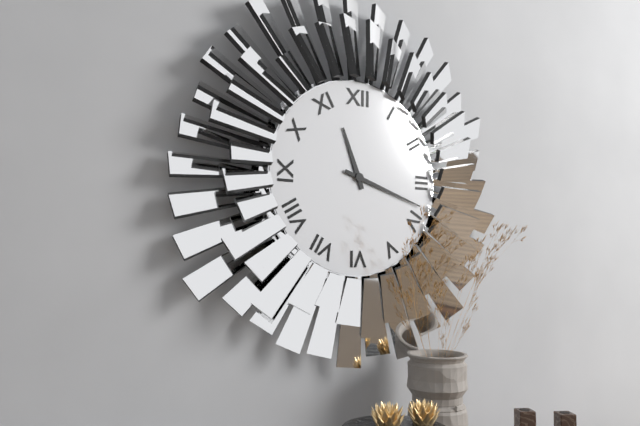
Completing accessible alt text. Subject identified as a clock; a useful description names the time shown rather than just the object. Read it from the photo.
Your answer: 11:18
